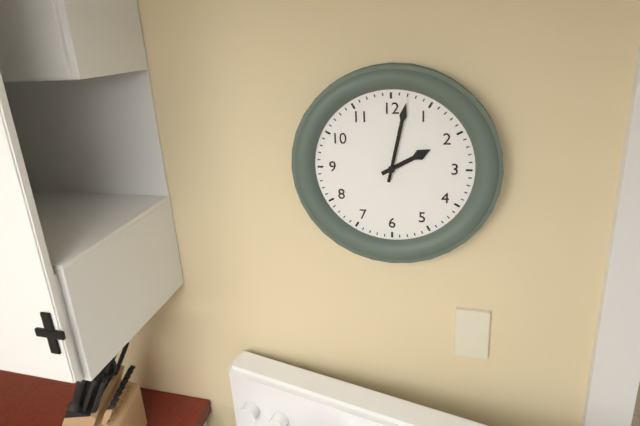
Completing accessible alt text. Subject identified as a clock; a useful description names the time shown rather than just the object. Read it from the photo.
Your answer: 2:02
